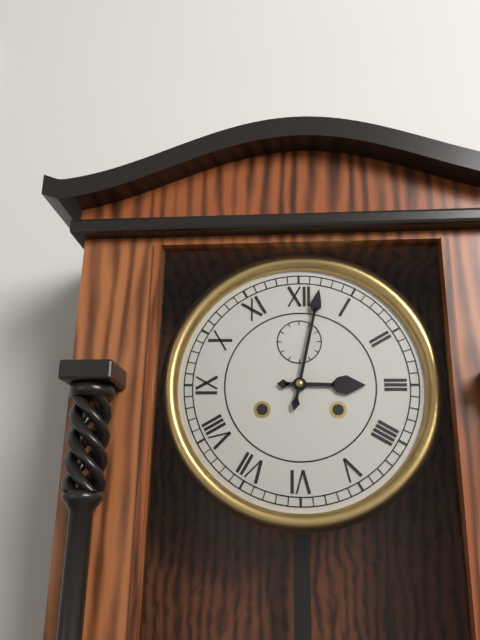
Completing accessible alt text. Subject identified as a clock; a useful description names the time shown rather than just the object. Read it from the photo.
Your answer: 3:02
